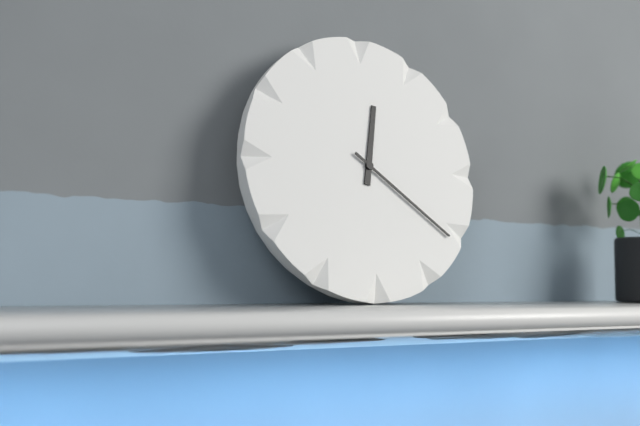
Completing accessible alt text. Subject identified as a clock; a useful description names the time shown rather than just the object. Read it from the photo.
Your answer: 12:21
